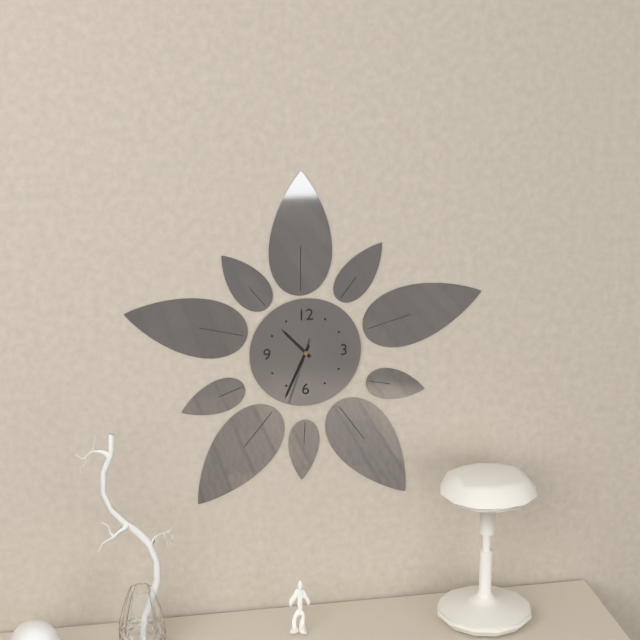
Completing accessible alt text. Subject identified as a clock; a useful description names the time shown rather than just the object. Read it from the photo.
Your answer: 10:34:33
